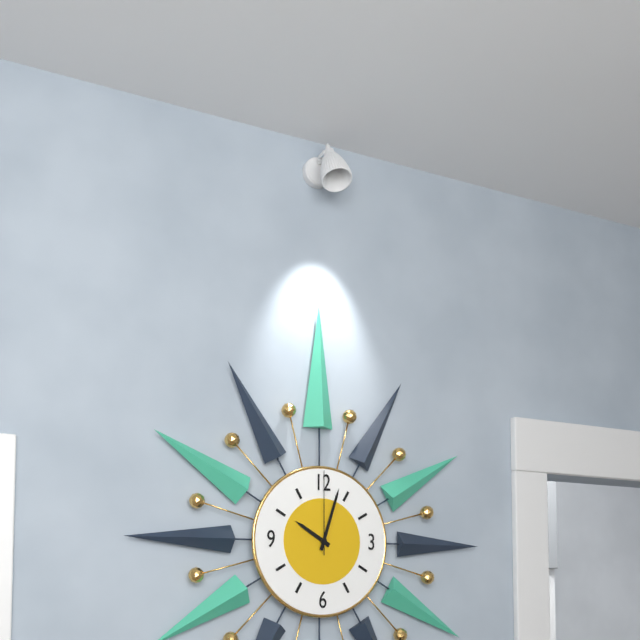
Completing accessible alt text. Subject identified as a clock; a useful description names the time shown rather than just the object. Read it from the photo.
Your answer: 10:03:00
